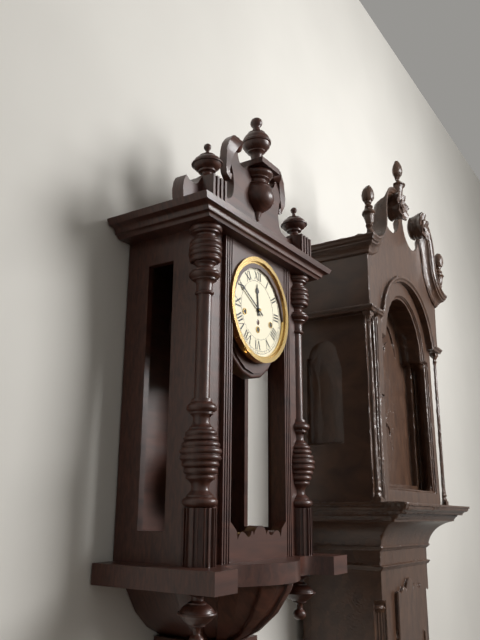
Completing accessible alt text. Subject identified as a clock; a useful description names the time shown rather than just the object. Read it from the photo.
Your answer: 11:50
